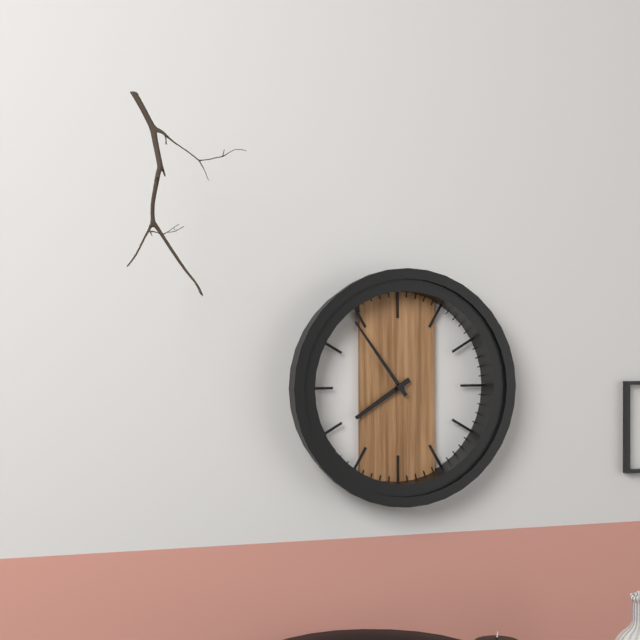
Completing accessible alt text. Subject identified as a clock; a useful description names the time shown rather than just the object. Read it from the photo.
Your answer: 7:54
